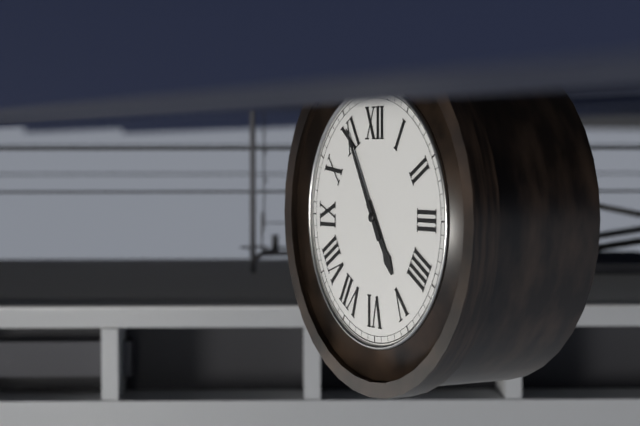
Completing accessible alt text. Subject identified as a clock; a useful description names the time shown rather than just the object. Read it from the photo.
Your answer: 4:55
